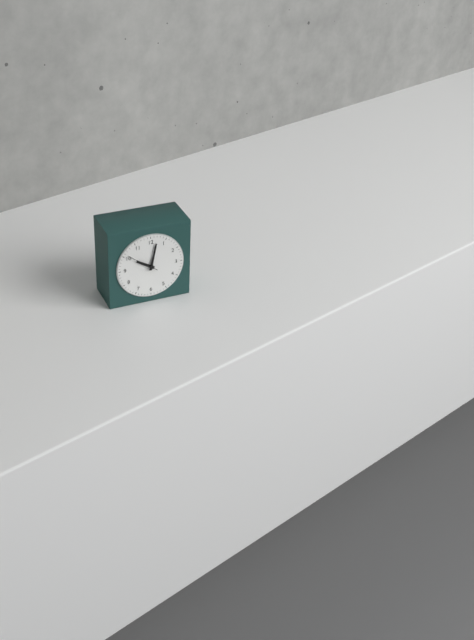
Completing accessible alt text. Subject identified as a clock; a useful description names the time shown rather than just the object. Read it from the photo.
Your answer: 10:02
